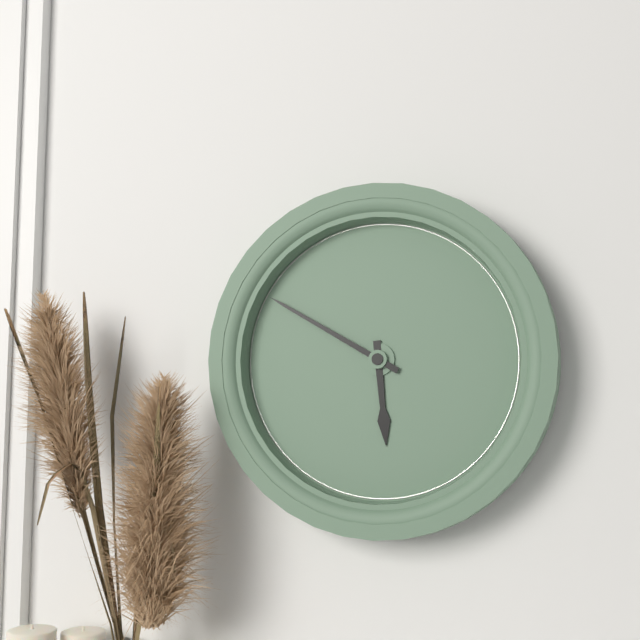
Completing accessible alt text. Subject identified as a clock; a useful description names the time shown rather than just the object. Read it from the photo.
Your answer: 5:50
